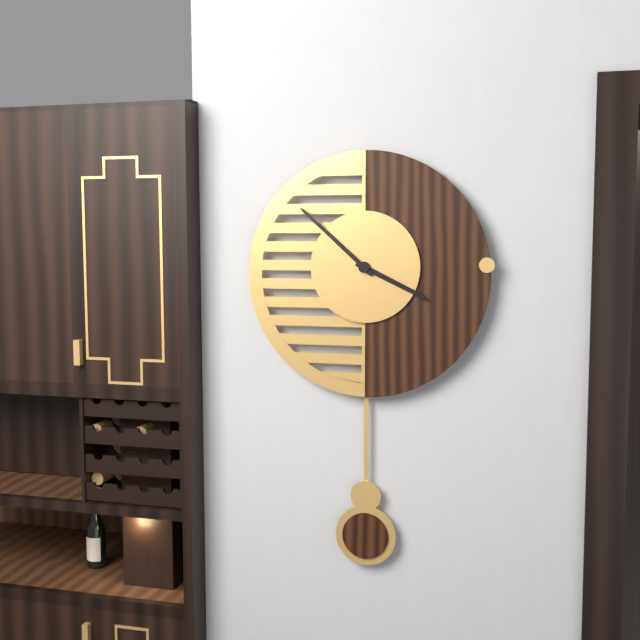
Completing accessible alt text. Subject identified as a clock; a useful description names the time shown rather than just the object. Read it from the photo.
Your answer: 3:52
